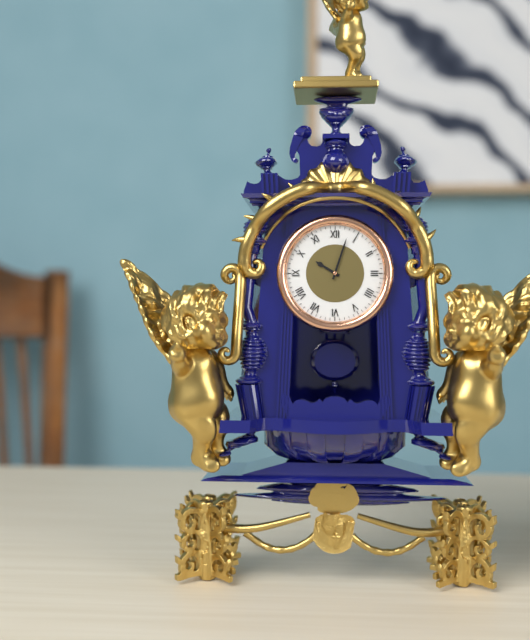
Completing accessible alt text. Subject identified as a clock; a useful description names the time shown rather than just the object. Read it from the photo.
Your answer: 10:03
